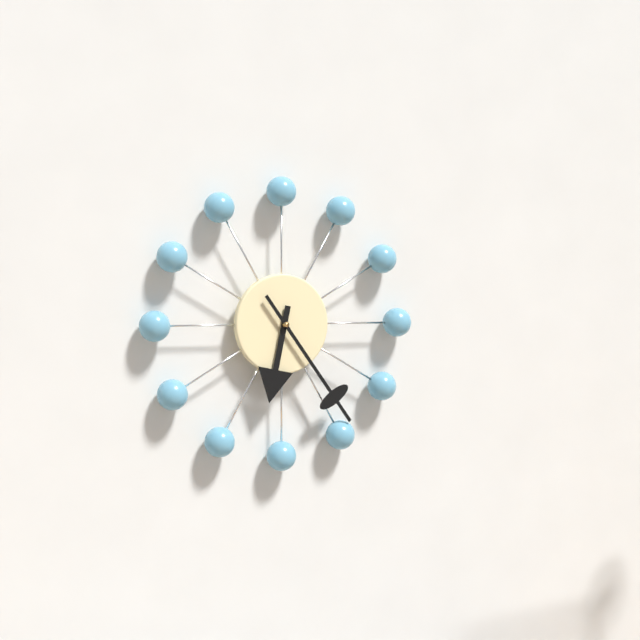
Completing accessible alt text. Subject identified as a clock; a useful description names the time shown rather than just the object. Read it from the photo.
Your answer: 6:24
